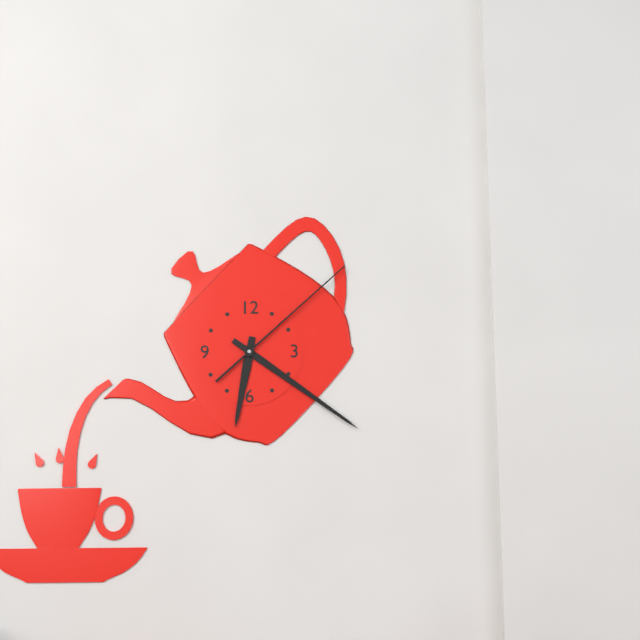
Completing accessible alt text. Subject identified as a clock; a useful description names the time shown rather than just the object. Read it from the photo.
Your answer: 6:21:08
